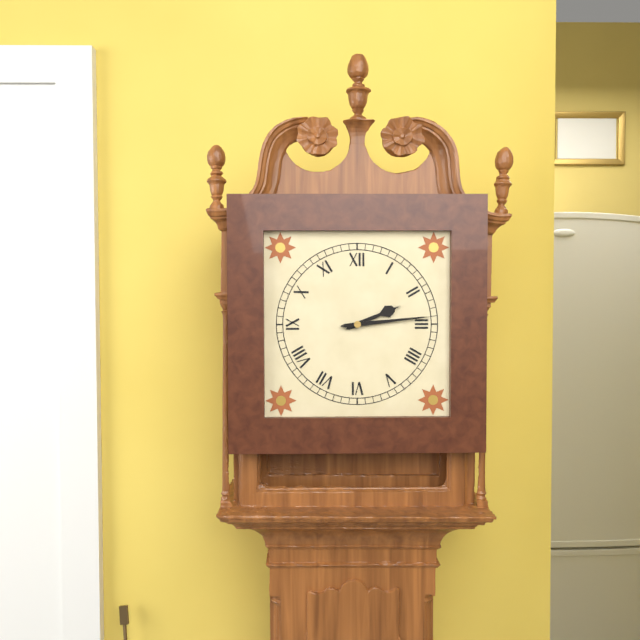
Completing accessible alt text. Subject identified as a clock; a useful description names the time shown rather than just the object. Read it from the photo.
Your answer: 2:14
